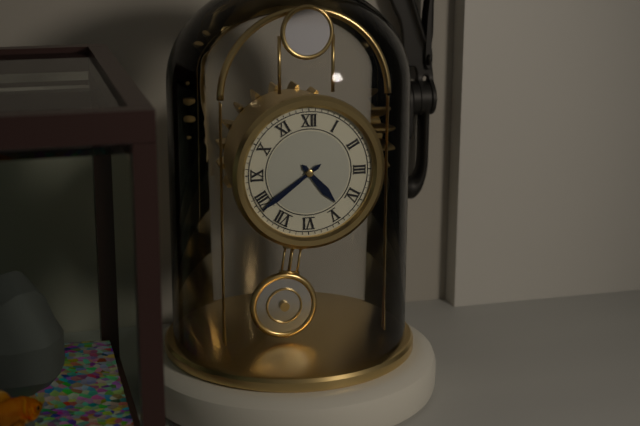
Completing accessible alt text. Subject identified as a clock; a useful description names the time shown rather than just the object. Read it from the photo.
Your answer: 4:39
